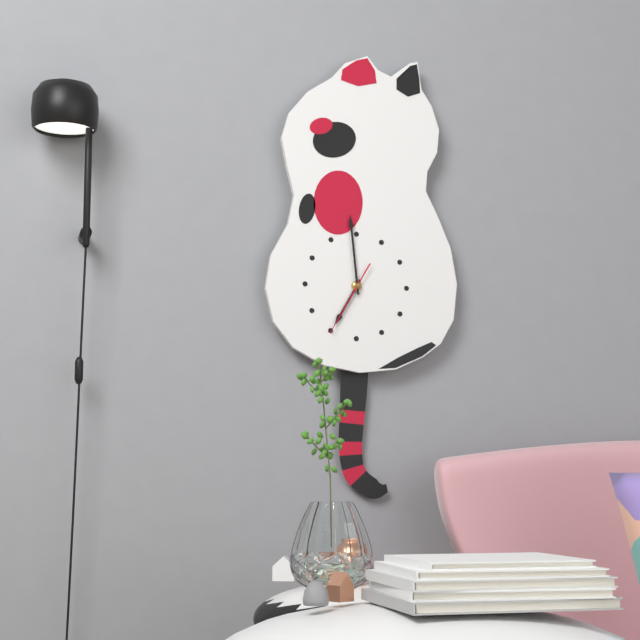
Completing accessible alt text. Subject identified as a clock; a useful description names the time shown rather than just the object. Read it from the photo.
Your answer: 6:59:35
